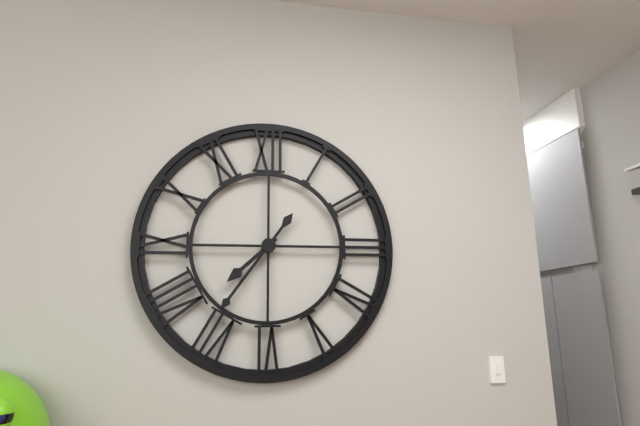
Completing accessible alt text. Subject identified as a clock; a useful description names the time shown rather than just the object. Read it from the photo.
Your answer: 7:36
